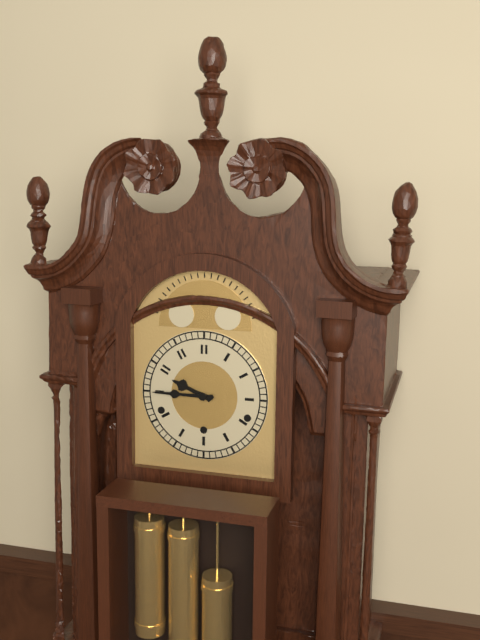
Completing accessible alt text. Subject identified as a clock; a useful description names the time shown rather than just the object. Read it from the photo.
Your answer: 9:45
